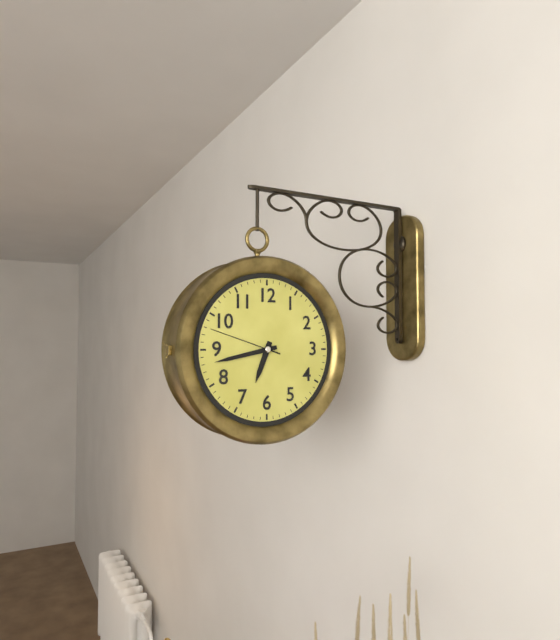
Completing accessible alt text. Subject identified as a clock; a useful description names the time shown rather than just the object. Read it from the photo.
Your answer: 6:43:48
